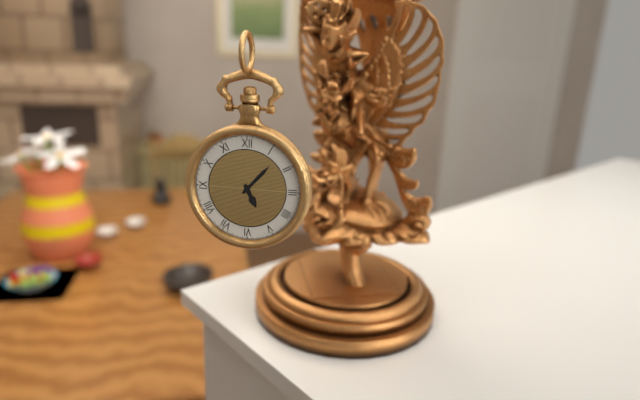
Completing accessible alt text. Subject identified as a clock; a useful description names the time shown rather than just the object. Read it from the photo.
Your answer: 5:07
